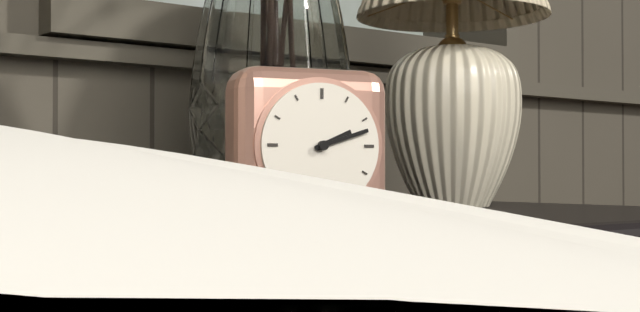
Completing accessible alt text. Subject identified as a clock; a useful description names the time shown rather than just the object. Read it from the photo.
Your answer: 2:12
